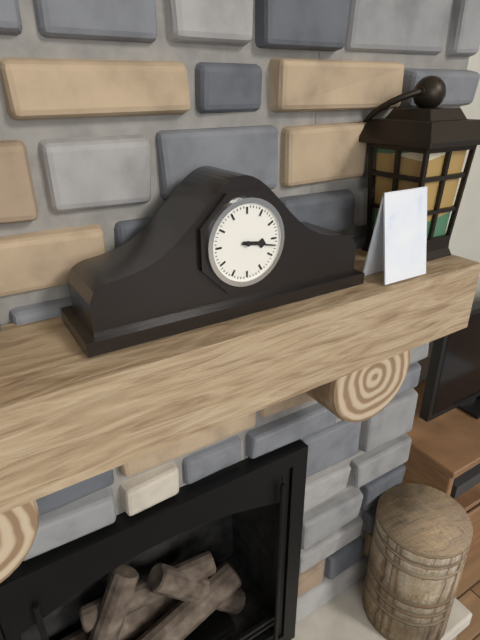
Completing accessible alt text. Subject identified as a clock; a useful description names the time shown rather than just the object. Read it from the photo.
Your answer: 3:17
